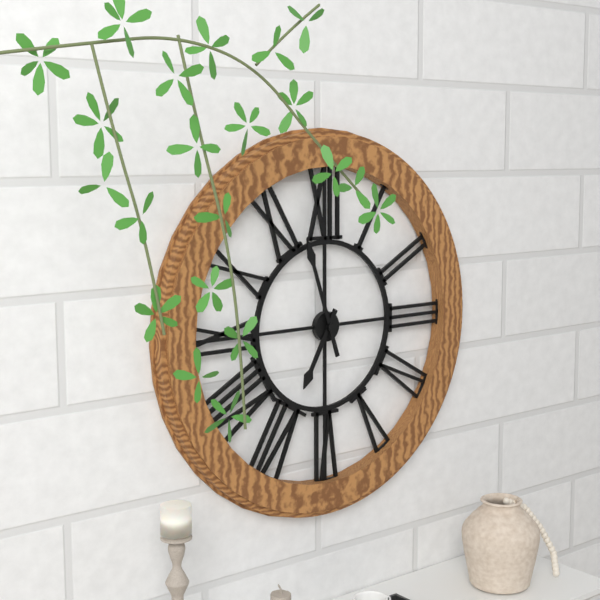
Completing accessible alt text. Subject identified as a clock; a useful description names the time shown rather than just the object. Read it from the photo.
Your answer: 6:57
